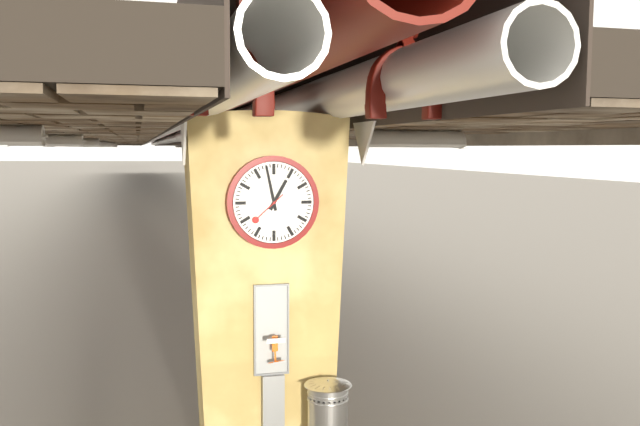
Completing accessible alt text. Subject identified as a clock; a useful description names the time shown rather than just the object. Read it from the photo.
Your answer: 12:58
